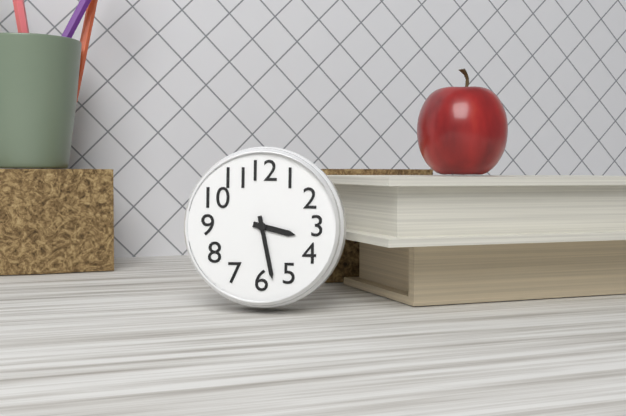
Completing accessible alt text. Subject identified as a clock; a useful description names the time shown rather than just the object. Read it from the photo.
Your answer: 3:28
